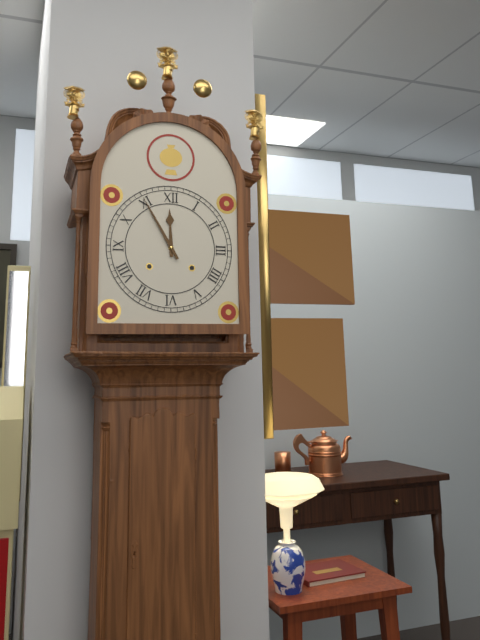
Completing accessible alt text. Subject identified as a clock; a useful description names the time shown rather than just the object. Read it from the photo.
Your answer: 11:55
